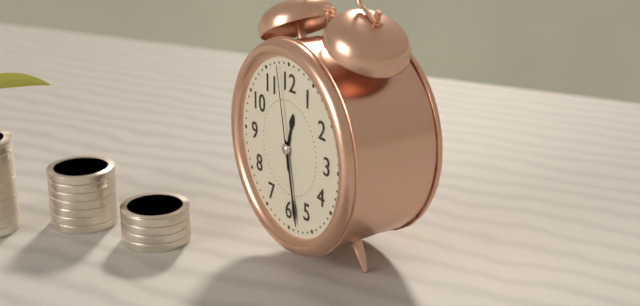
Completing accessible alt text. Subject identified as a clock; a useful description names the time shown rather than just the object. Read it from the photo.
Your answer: 12:28:58
